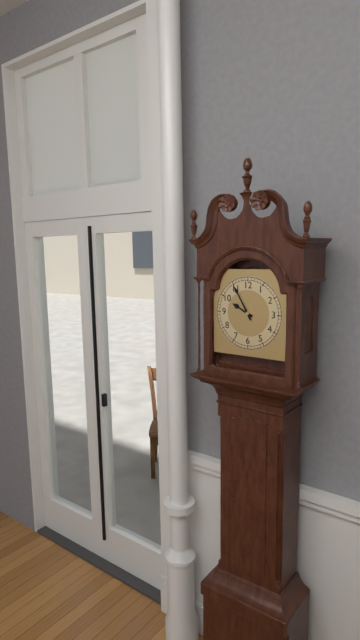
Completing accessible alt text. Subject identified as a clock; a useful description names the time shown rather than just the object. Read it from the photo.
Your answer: 9:55
